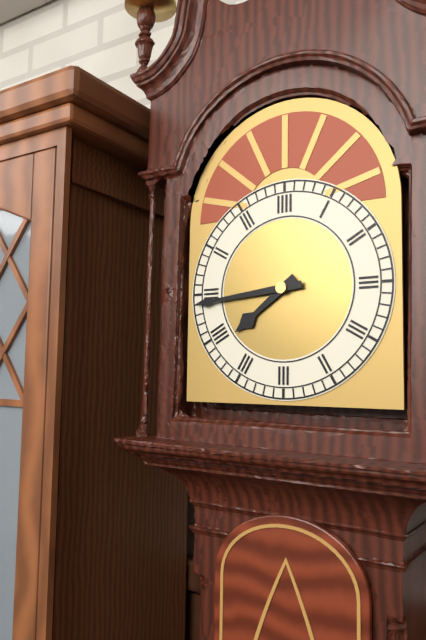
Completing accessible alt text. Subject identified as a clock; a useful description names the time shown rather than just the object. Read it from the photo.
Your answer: 7:44
